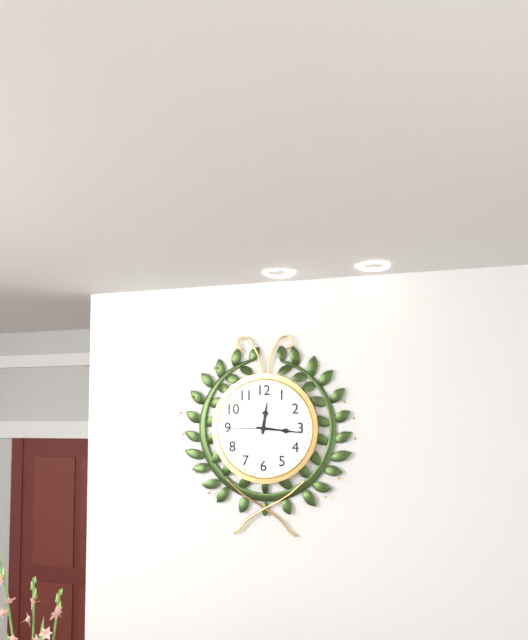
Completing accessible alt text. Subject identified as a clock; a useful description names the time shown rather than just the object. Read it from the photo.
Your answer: 12:16:45
